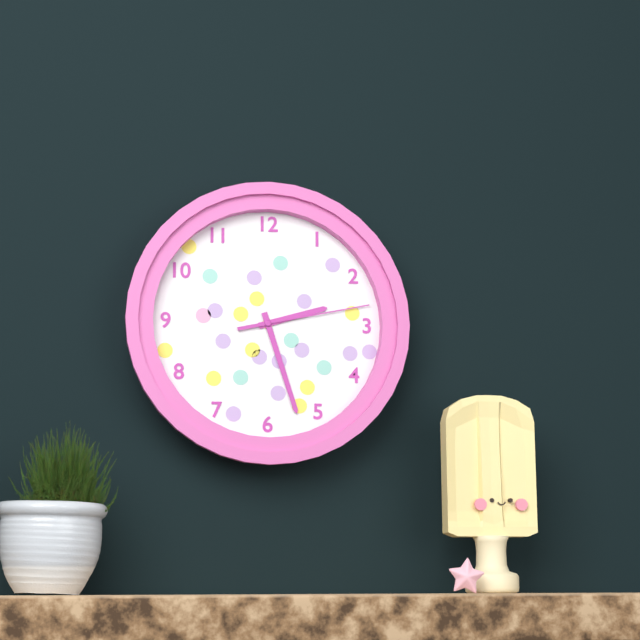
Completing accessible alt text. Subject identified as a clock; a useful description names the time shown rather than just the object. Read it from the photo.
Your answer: 2:27:13
